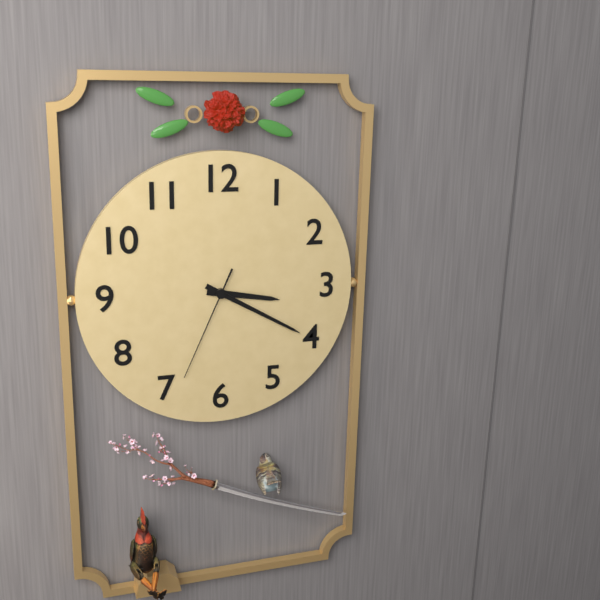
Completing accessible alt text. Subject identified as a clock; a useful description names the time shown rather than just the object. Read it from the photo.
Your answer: 3:20:34
